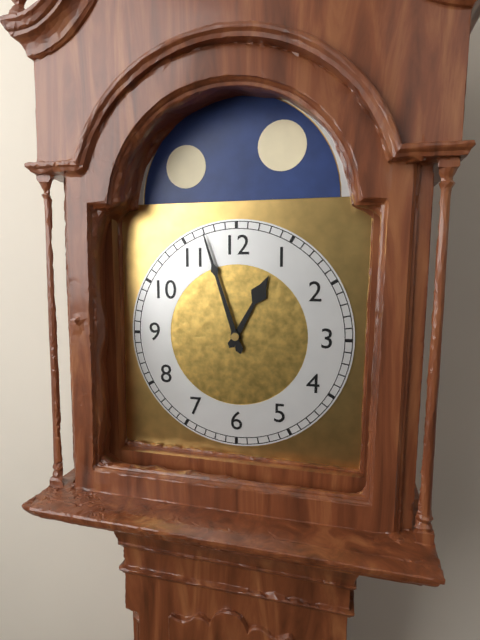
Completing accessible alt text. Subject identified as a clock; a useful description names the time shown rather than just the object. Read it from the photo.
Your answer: 12:57
